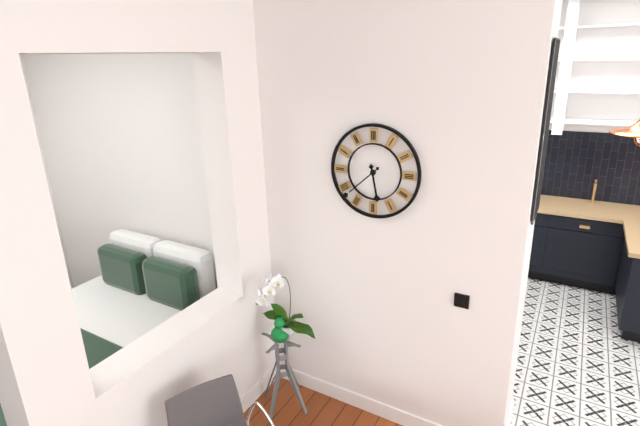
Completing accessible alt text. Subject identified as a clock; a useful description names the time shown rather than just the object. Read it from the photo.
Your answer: 5:38
